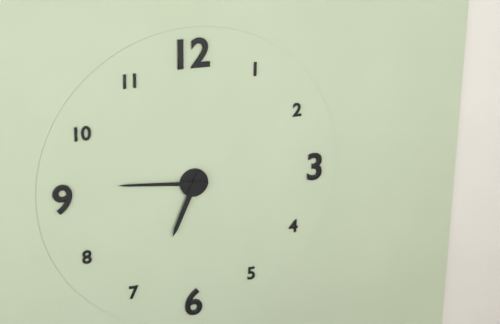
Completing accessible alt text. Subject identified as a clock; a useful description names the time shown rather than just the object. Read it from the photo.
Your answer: 6:46
